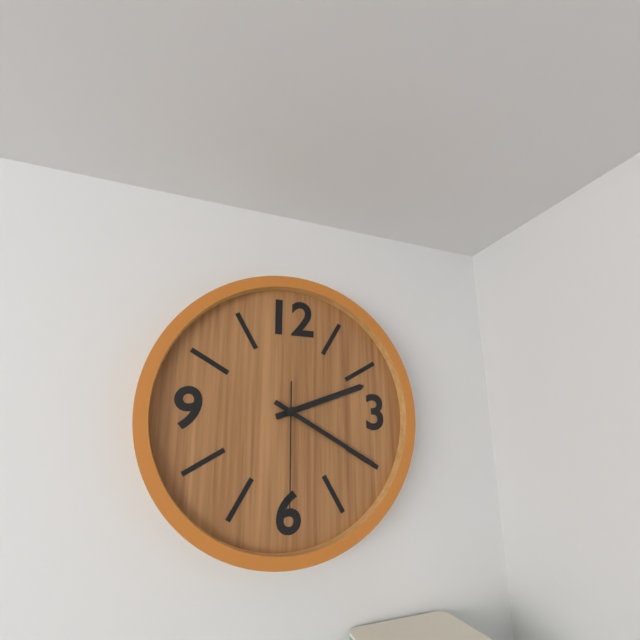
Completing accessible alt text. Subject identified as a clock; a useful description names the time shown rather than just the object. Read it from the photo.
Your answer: 2:20:30
